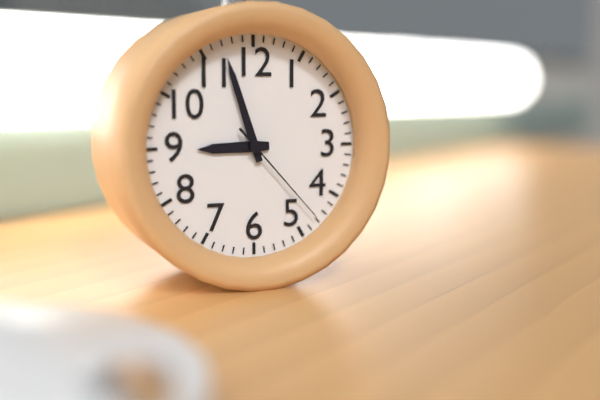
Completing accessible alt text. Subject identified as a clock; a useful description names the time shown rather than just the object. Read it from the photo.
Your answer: 8:57:23
